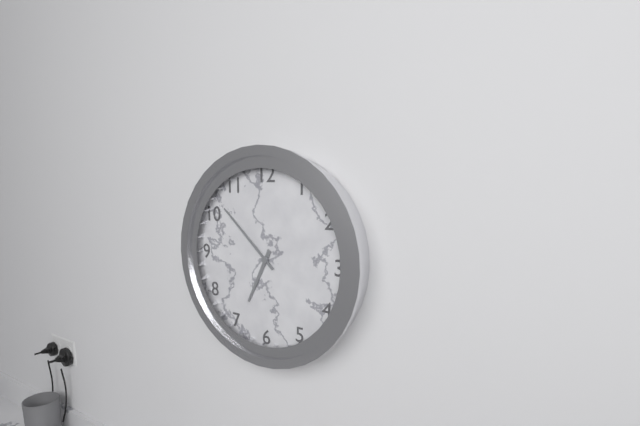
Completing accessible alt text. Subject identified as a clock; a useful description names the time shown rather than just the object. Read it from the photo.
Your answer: 6:52
